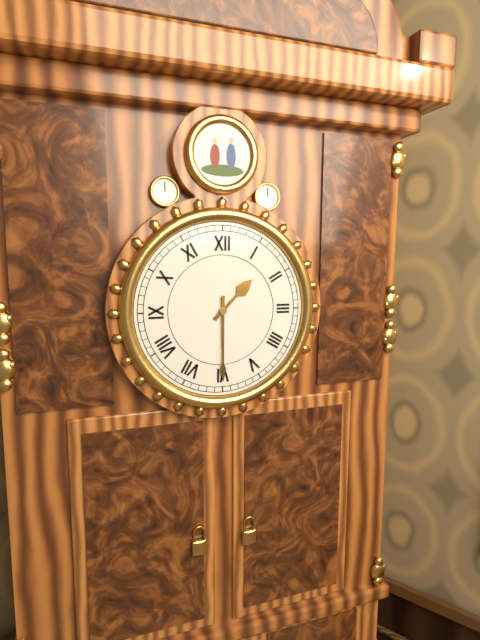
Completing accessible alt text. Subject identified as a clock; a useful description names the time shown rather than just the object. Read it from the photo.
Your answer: 1:30
